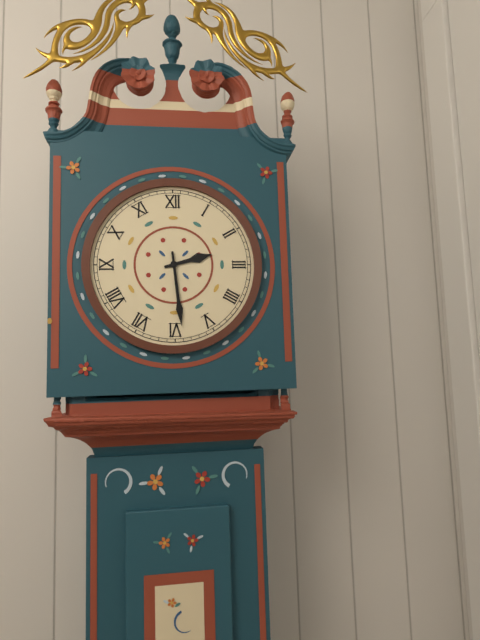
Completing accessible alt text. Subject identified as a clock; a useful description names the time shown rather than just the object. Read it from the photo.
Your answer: 2:29
